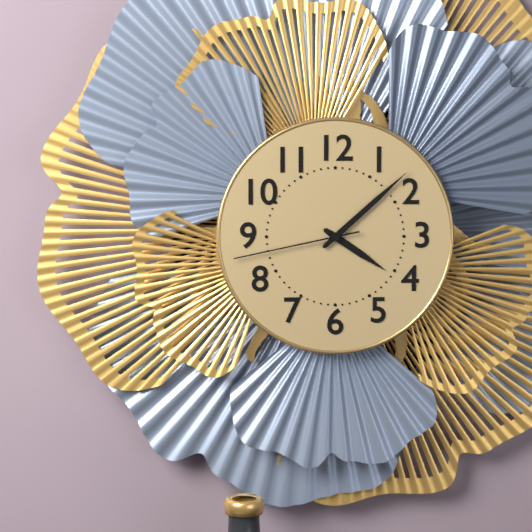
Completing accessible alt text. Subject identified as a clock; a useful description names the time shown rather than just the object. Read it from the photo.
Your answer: 4:08:43
